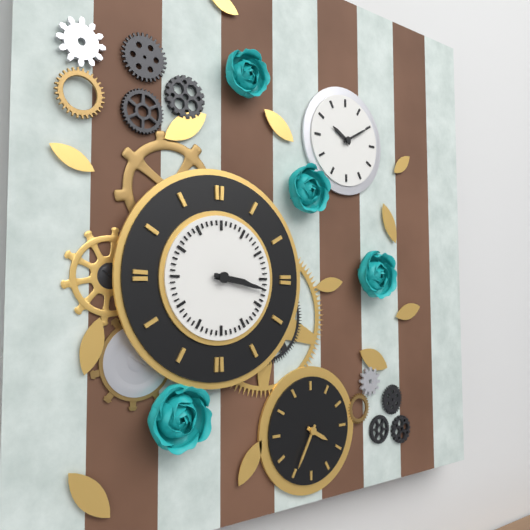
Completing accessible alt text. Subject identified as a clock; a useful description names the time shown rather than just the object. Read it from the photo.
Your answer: 3:17
